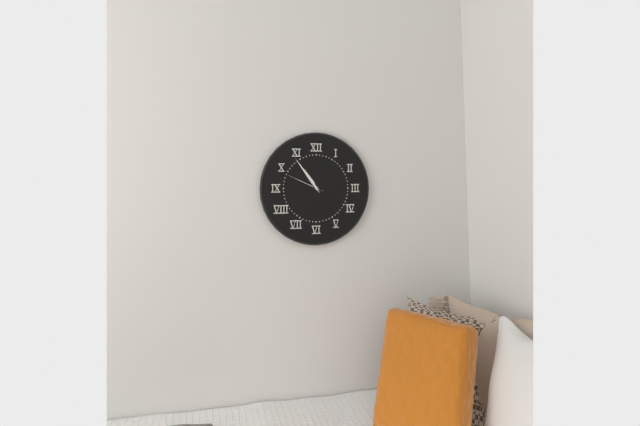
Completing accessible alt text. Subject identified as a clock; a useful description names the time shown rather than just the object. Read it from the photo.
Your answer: 10:54
